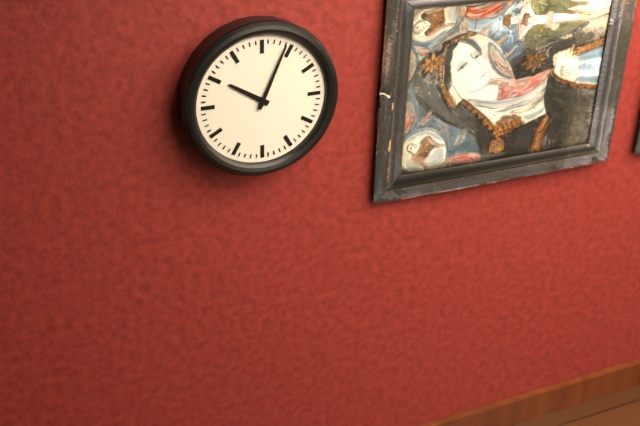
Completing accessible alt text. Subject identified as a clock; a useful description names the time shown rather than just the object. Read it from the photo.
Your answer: 10:04
